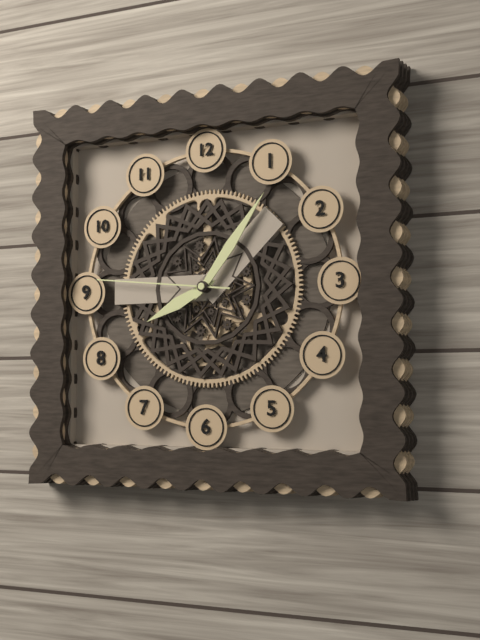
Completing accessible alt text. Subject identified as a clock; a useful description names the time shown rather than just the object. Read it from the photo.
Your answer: 8:06:46
